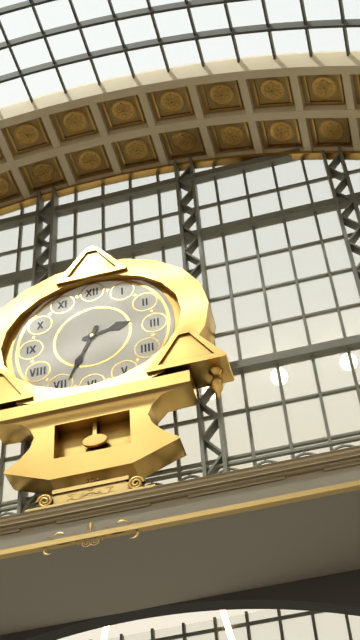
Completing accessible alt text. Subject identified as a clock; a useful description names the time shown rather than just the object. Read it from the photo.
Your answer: 2:34
